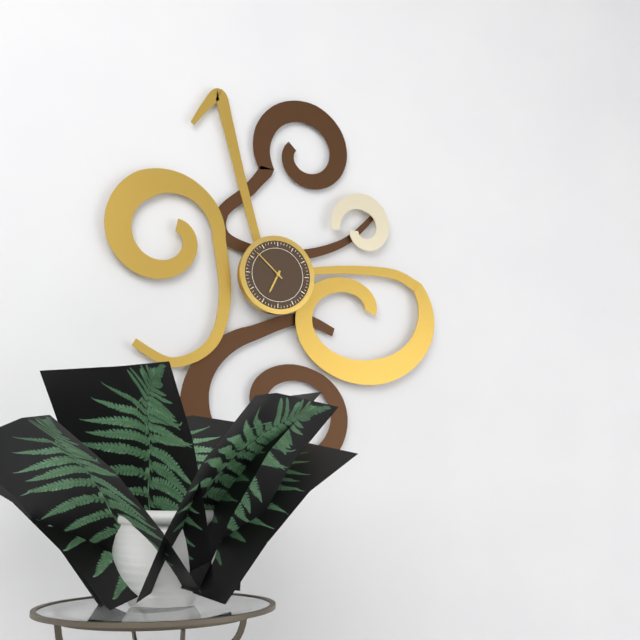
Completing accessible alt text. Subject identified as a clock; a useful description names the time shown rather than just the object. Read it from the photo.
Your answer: 6:52
